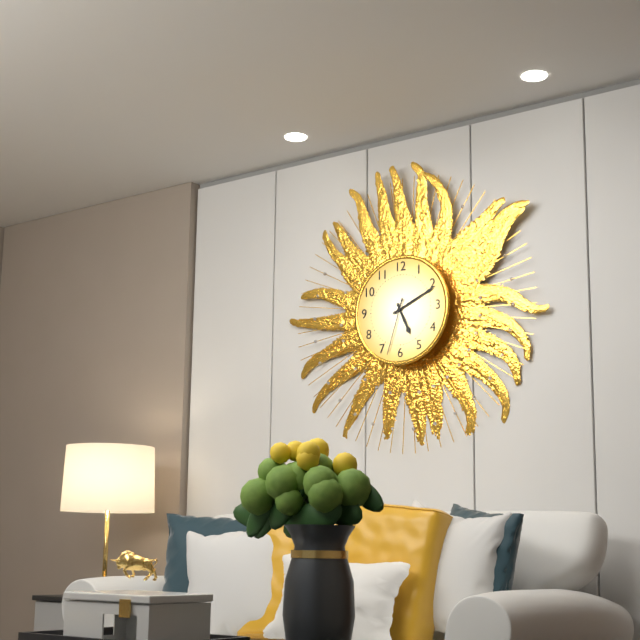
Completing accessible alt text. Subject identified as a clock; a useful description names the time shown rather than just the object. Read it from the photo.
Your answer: 5:11:33
